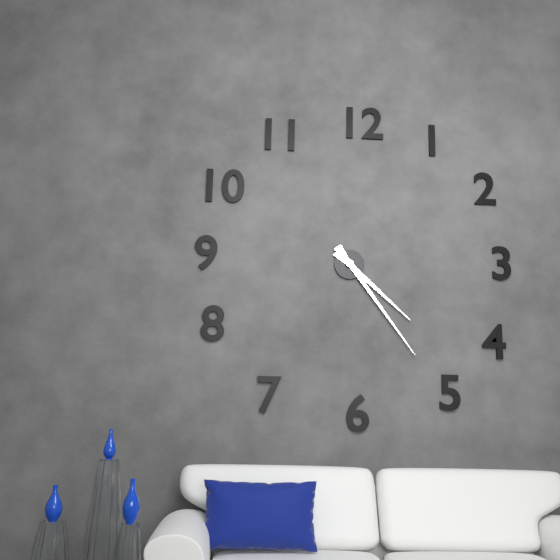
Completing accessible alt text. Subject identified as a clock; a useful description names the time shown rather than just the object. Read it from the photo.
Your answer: 4:24
